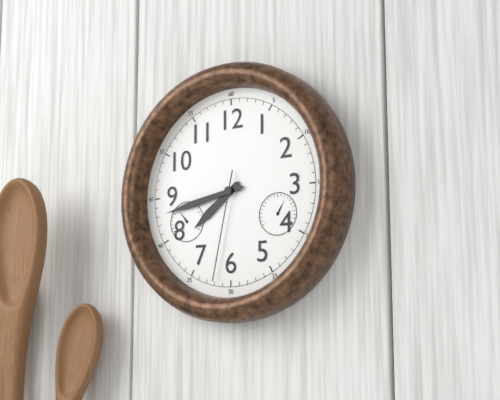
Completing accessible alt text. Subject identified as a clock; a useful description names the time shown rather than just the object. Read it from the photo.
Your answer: 7:43:32
